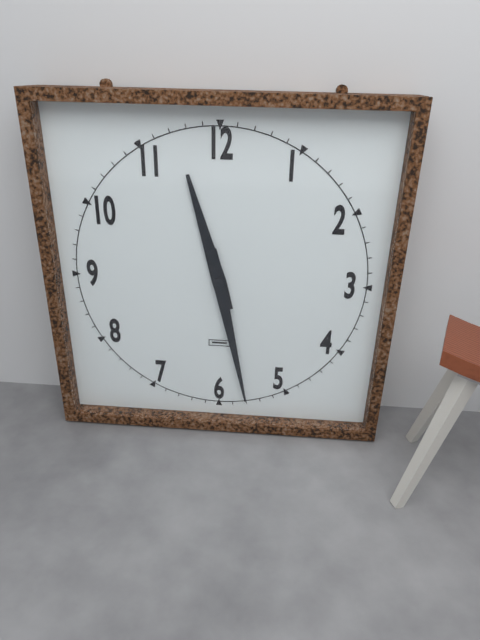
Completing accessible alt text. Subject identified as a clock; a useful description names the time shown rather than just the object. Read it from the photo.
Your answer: 11:28
